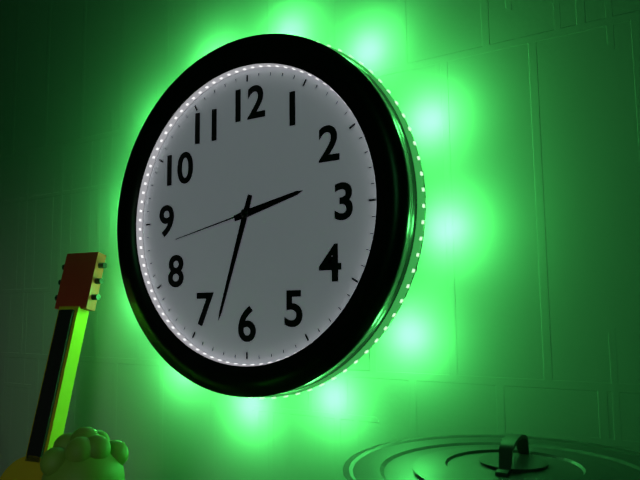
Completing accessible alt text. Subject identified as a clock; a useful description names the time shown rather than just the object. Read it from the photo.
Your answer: 2:33:43
